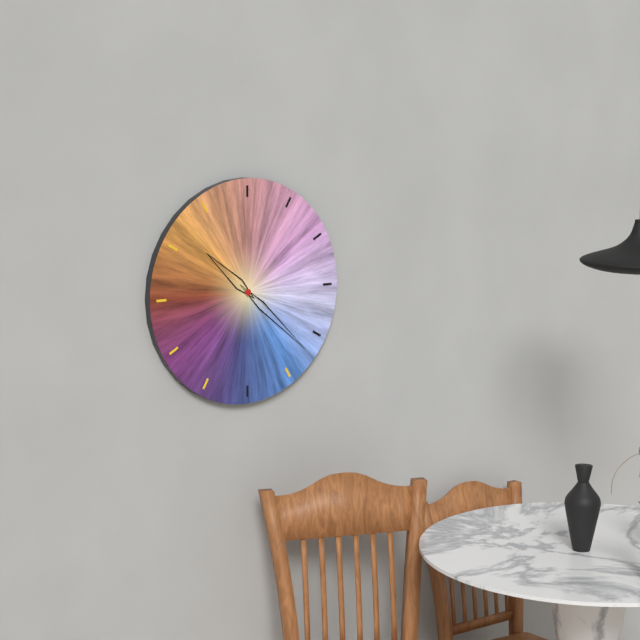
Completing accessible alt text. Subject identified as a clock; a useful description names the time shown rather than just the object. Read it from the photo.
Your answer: 10:22
